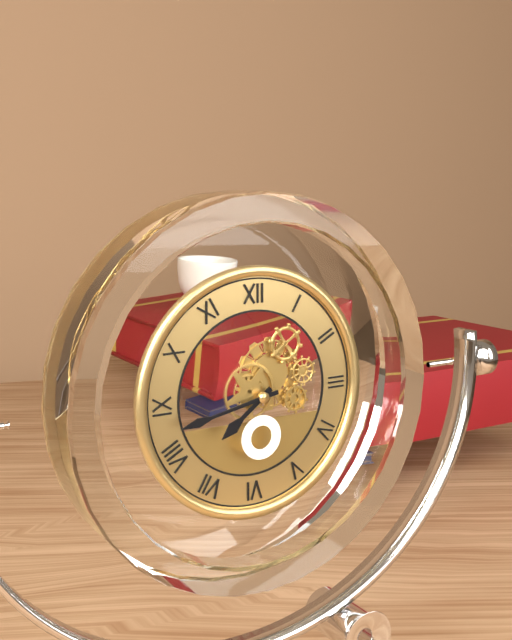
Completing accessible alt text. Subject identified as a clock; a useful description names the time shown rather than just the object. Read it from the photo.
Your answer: 7:43
